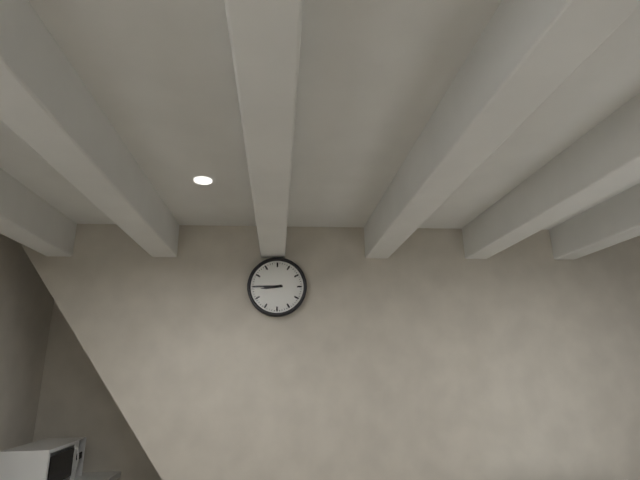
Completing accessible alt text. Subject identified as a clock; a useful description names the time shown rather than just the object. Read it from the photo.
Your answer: 8:45
